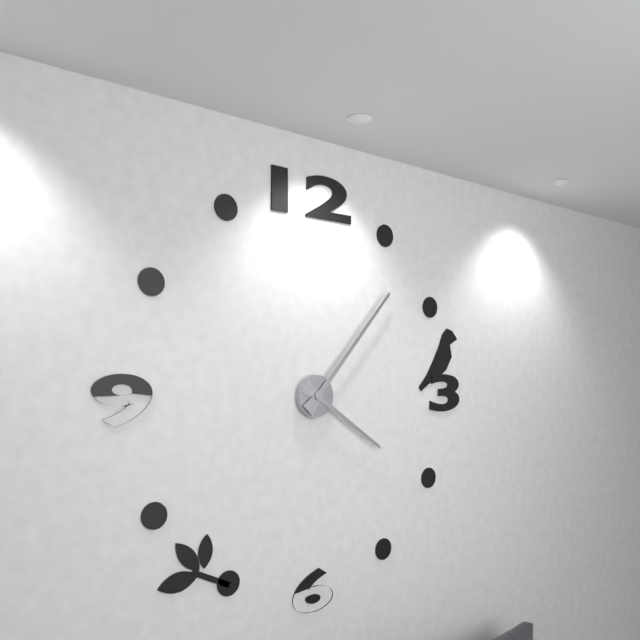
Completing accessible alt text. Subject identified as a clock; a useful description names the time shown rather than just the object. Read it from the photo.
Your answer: 4:07
